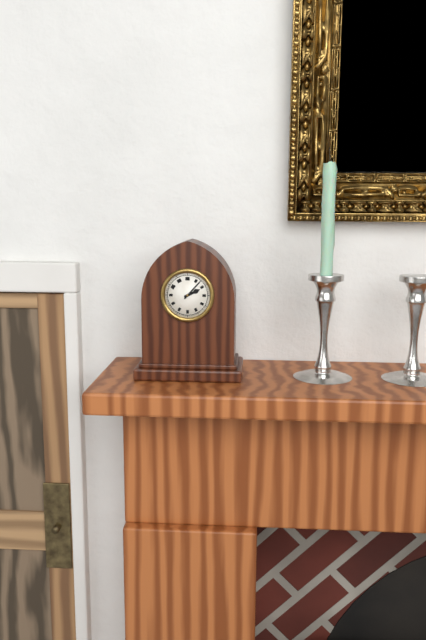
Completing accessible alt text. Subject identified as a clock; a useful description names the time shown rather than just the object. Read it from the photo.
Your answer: 2:07
